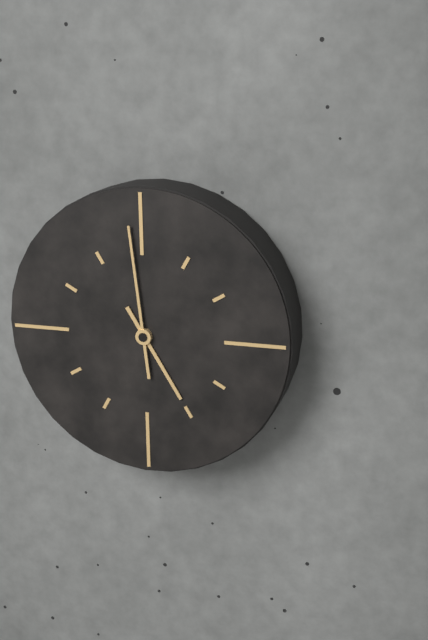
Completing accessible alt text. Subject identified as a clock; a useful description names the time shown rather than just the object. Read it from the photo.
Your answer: 4:59
